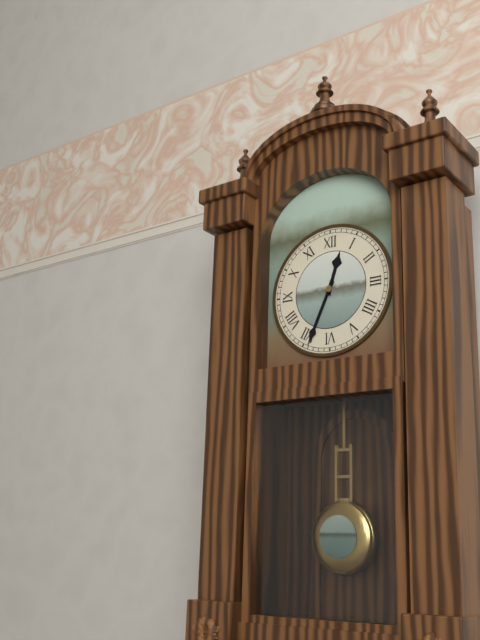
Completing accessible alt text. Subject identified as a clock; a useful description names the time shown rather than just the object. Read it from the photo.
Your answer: 12:34
